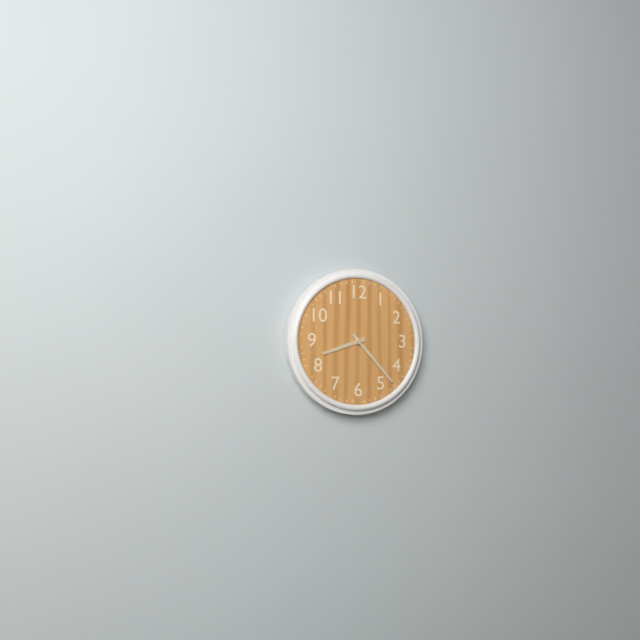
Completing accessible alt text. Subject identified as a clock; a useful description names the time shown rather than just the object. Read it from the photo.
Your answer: 8:23
